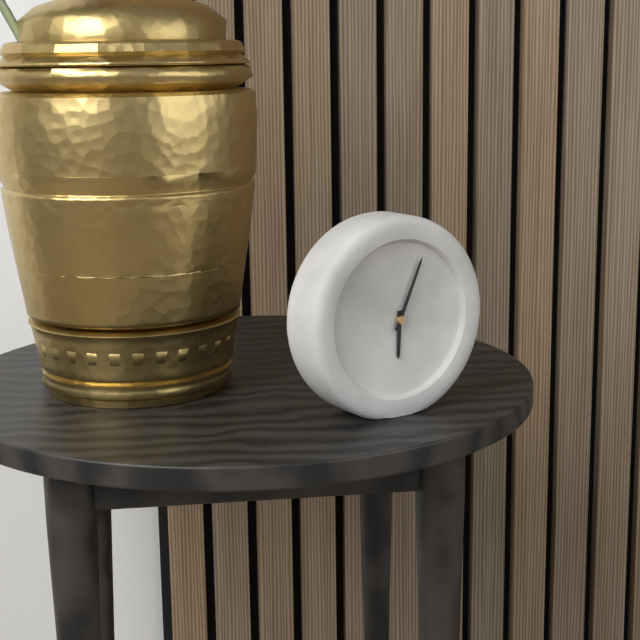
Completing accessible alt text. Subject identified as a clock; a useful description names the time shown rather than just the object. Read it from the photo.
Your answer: 6:04
